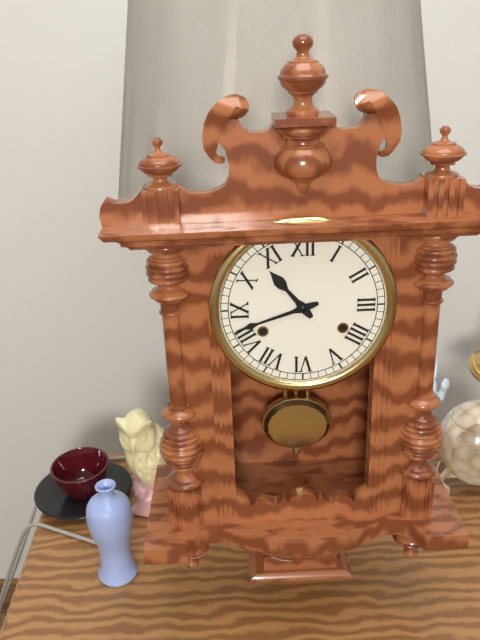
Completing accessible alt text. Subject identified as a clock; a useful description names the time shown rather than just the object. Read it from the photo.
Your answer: 10:42
